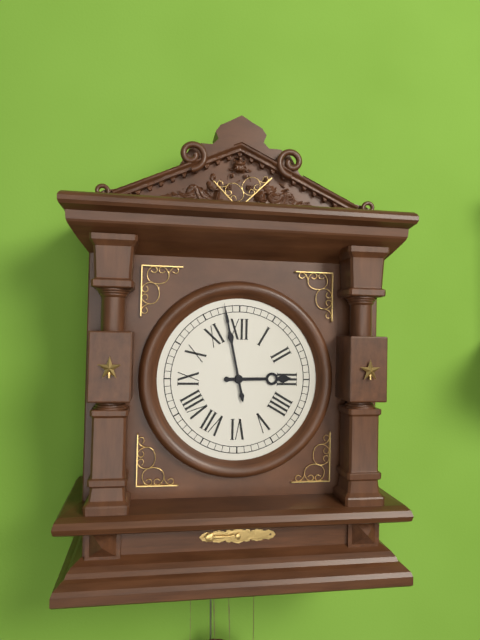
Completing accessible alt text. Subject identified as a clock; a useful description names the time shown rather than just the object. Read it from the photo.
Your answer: 2:58
